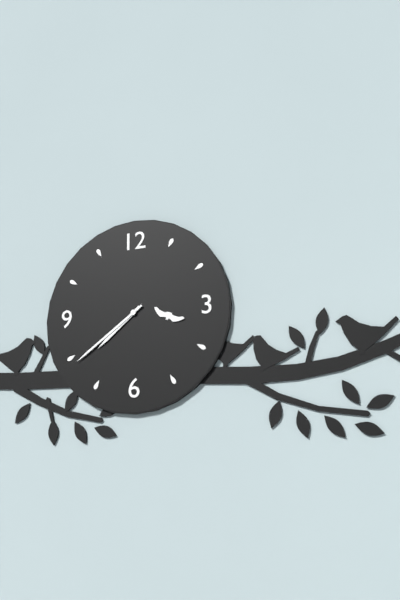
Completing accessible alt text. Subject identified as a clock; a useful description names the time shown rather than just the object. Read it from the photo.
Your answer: 7:39
